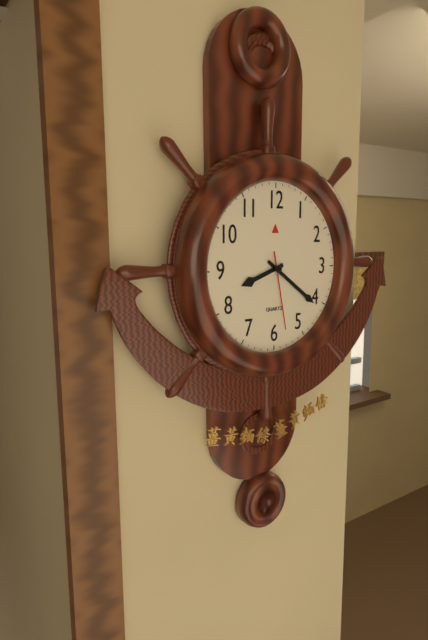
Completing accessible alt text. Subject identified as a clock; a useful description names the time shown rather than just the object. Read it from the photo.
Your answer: 8:21:28
